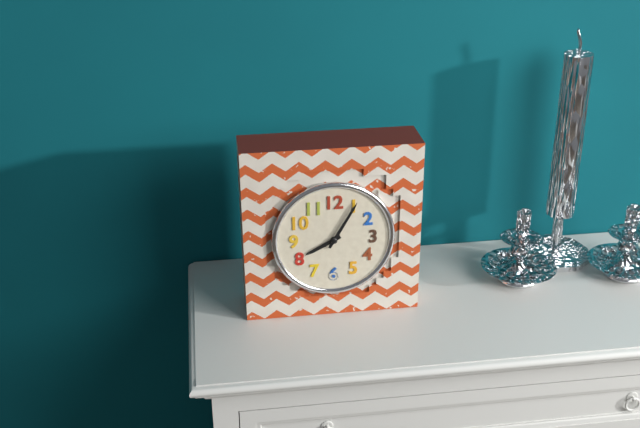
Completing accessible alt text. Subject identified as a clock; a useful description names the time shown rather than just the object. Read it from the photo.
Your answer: 8:05
